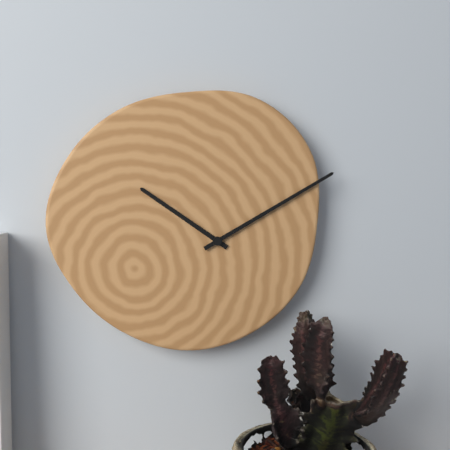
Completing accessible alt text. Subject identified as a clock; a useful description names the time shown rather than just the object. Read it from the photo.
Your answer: 10:10
